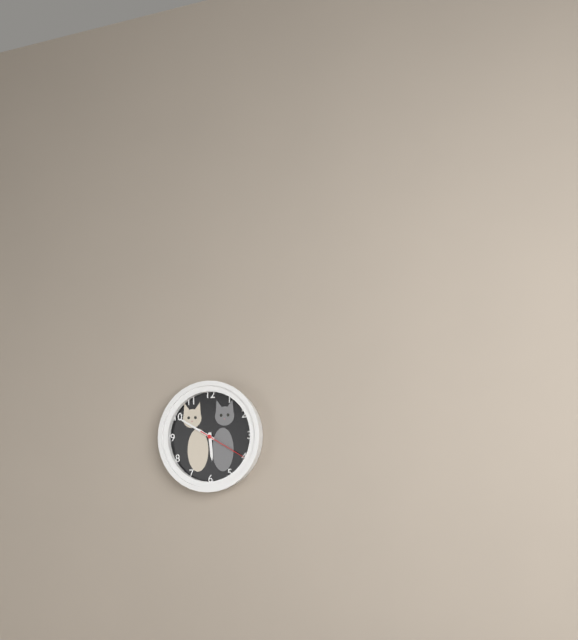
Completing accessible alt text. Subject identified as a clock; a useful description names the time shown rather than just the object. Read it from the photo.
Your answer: 5:50:20
